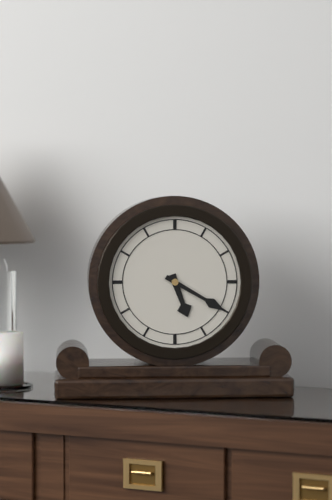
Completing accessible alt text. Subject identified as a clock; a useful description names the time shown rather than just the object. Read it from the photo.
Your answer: 5:20
